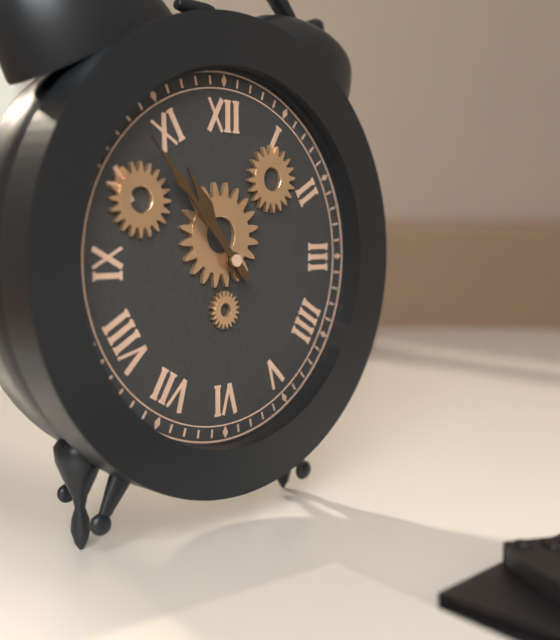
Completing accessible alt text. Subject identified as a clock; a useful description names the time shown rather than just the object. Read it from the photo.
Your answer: 10:53
